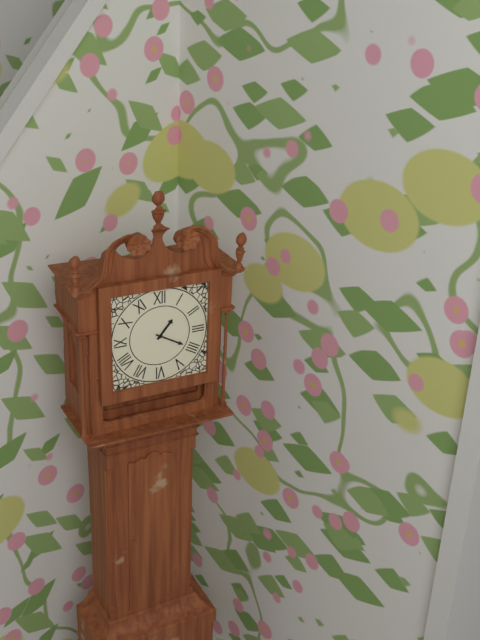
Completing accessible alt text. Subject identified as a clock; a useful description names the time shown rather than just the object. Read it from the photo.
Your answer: 1:20
